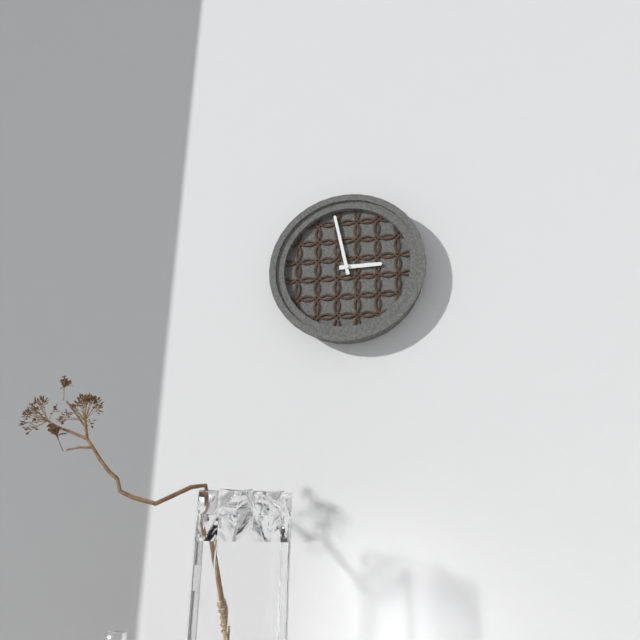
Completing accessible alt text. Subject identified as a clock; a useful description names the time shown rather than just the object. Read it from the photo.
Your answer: 2:58
